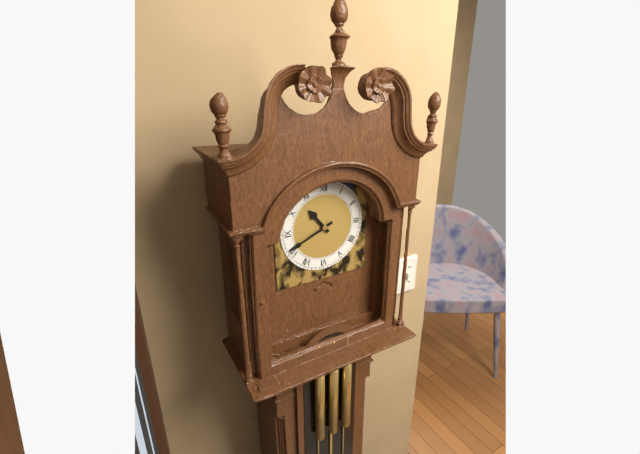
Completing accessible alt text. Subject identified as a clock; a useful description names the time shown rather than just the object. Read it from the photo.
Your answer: 10:41
